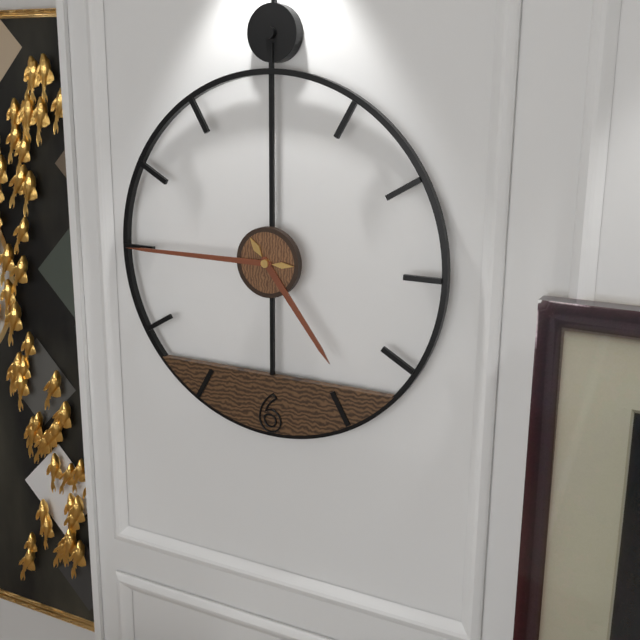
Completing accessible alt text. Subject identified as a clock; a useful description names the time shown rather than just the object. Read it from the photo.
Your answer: 4:45
